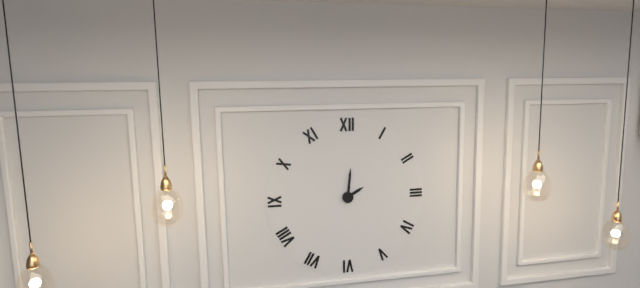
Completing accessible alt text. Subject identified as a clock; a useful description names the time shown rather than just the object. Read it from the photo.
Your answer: 2:01
